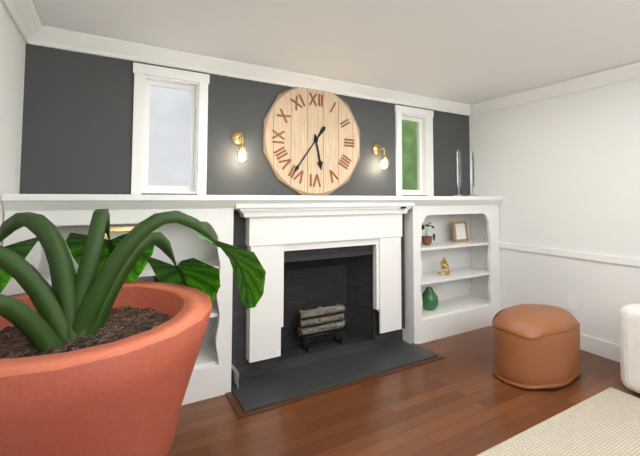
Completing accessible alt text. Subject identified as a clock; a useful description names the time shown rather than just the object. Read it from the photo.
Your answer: 5:36
